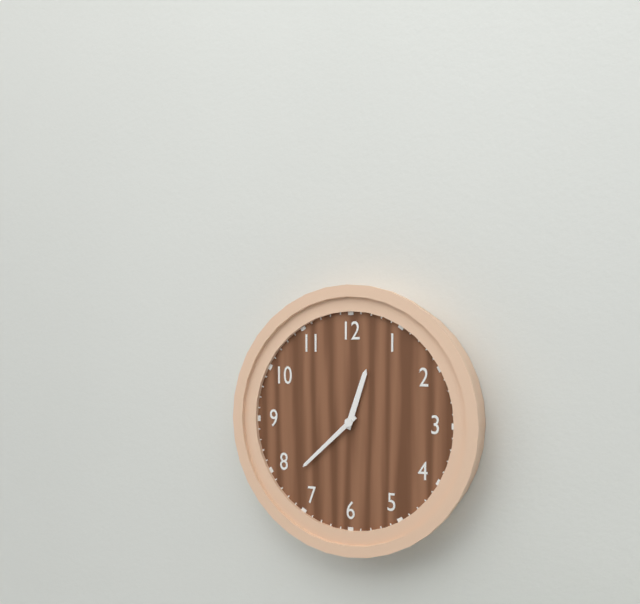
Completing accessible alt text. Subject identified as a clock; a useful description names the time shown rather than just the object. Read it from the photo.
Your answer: 12:38
